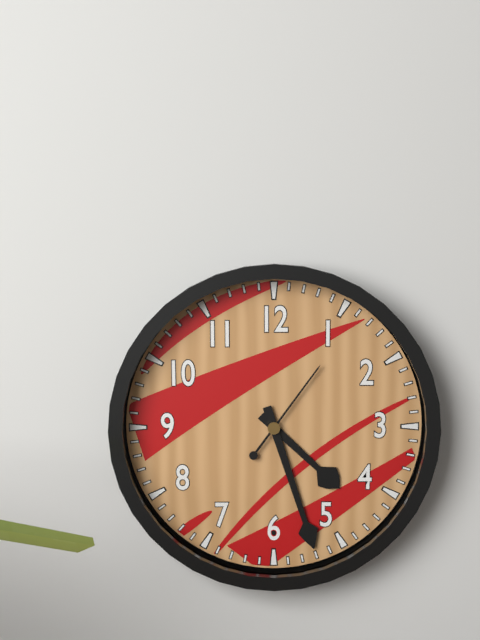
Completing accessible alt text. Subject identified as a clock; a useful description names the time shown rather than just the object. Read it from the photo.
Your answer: 4:27:06
